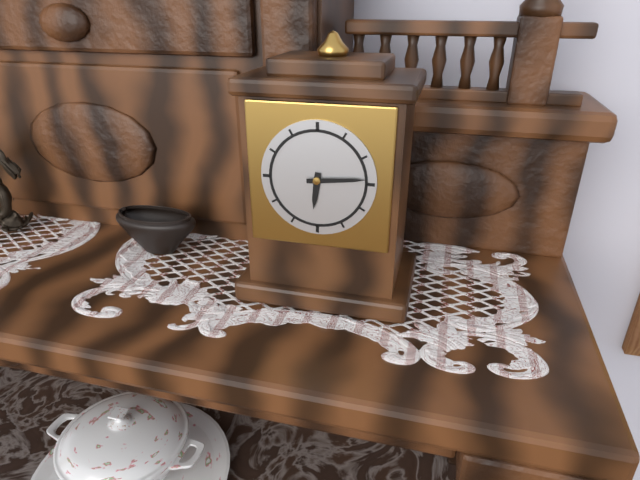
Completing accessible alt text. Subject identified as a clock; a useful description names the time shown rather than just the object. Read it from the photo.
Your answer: 6:14
